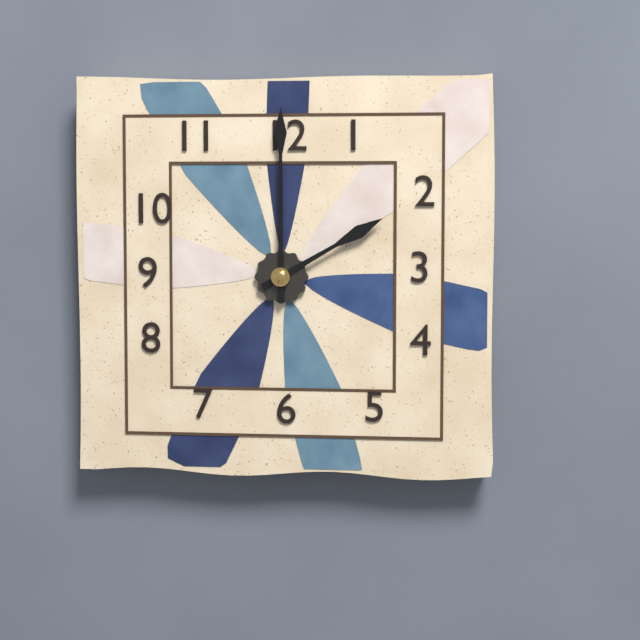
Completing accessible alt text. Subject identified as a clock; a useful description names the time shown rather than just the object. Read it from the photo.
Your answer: 2:00
